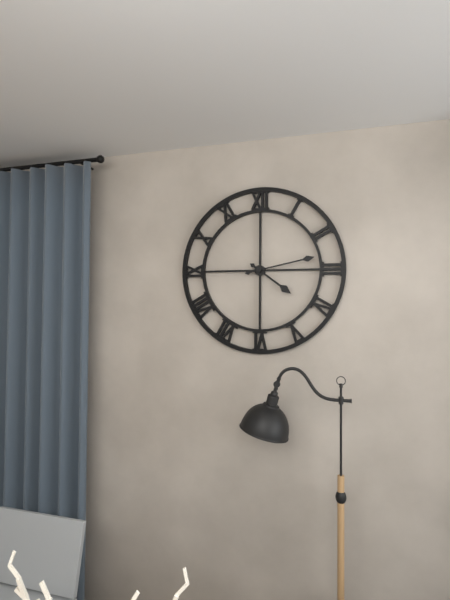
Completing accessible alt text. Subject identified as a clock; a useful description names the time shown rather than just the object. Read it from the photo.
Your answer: 4:13
